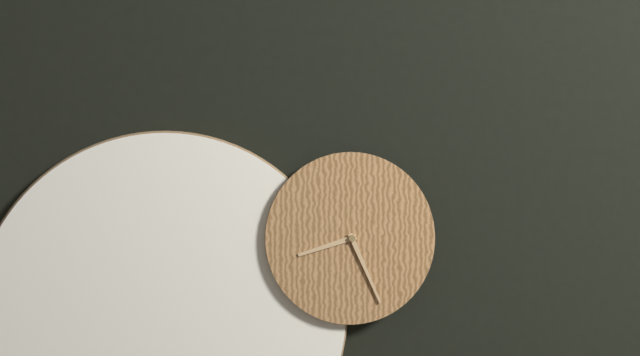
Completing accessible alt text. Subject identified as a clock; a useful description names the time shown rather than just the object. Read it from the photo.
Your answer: 8:26
